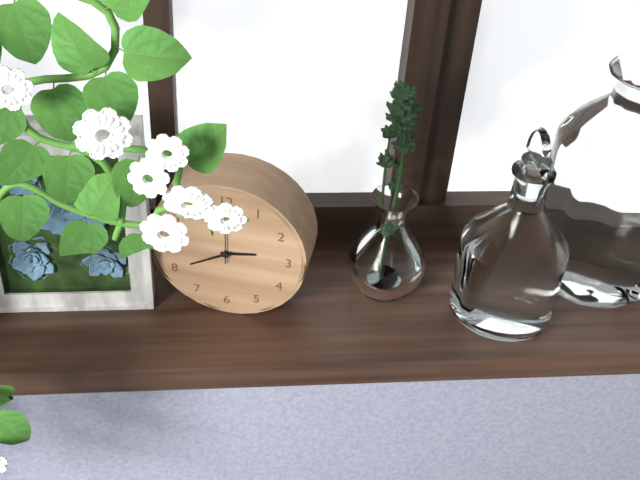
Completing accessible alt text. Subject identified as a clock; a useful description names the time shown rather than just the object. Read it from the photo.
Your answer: 2:40
